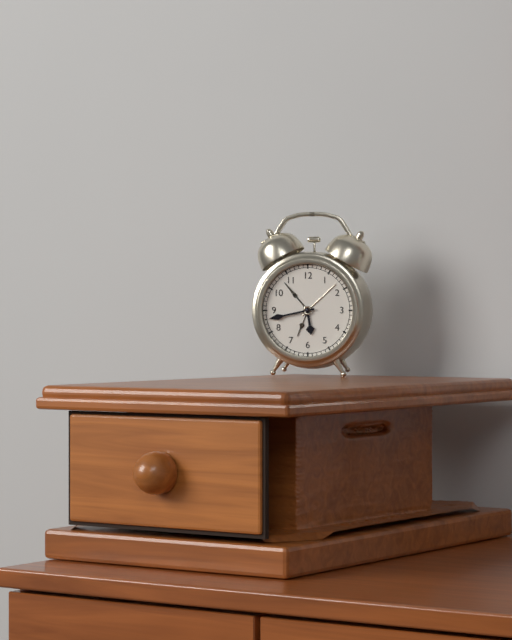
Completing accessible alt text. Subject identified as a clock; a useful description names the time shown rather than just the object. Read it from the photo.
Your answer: 5:43
